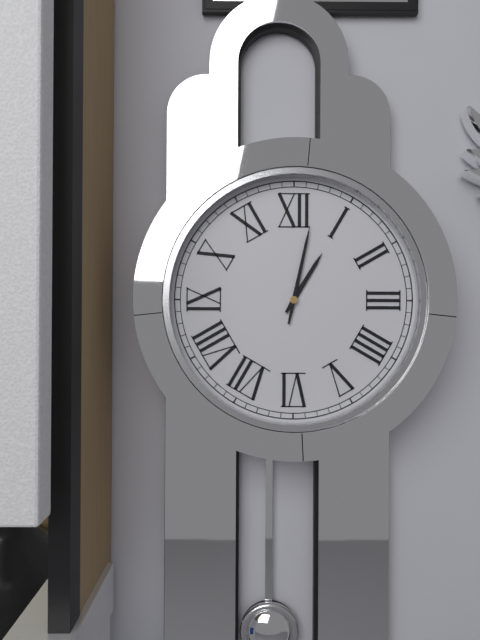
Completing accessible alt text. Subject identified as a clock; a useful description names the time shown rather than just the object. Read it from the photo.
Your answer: 1:02
